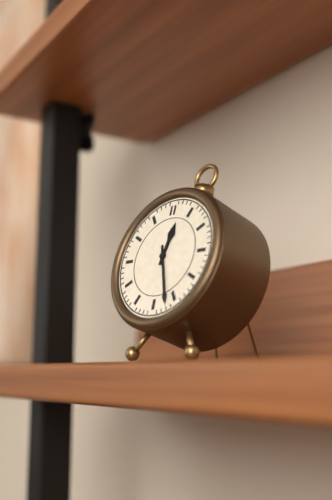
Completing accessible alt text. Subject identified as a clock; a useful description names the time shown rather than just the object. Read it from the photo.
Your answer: 12:27
